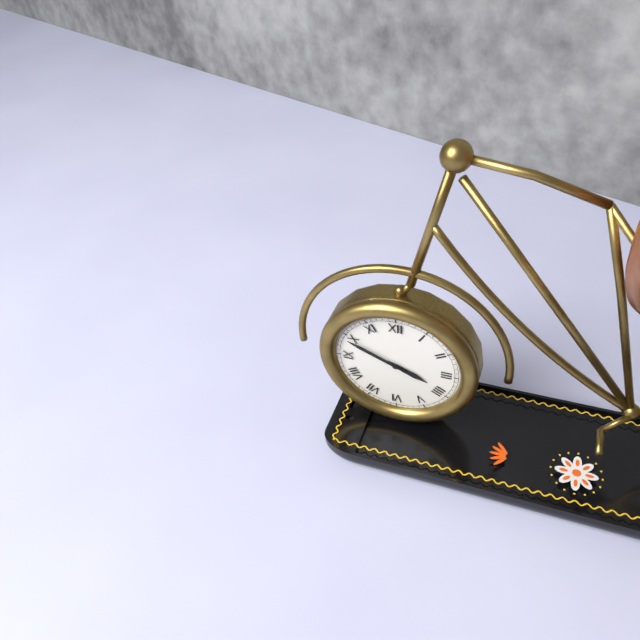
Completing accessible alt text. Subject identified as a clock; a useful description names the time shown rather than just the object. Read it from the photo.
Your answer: 3:49
